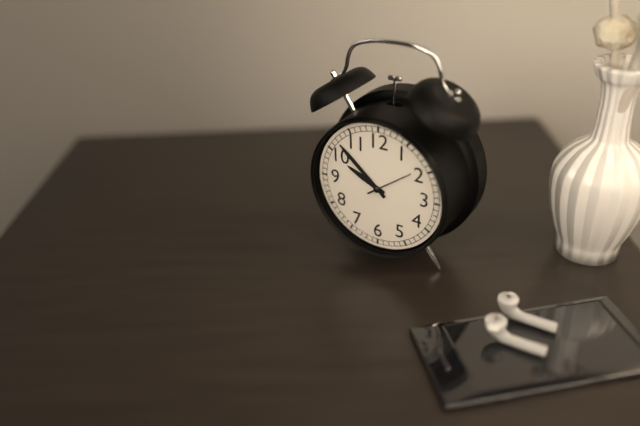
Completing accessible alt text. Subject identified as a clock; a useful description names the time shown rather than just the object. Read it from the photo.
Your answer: 9:52
